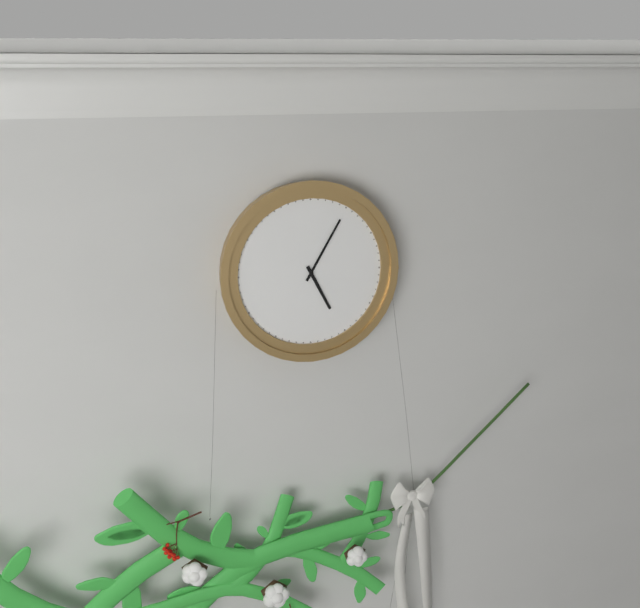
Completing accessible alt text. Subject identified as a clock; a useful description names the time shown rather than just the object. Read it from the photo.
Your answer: 5:05
